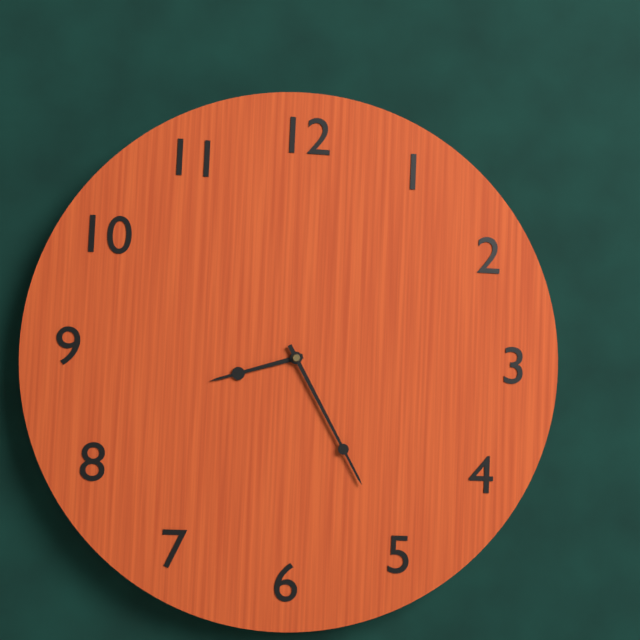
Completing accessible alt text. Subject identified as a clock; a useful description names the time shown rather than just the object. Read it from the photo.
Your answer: 8:25
